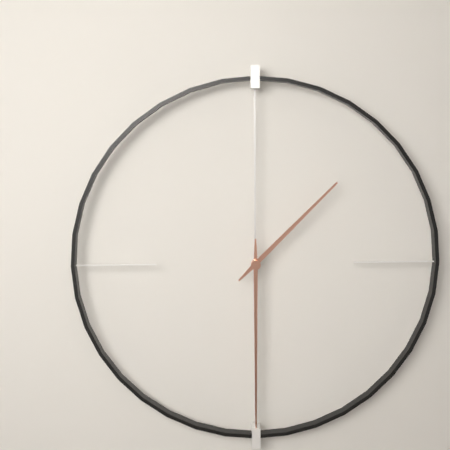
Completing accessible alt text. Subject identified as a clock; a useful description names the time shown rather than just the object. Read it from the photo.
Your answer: 1:30
